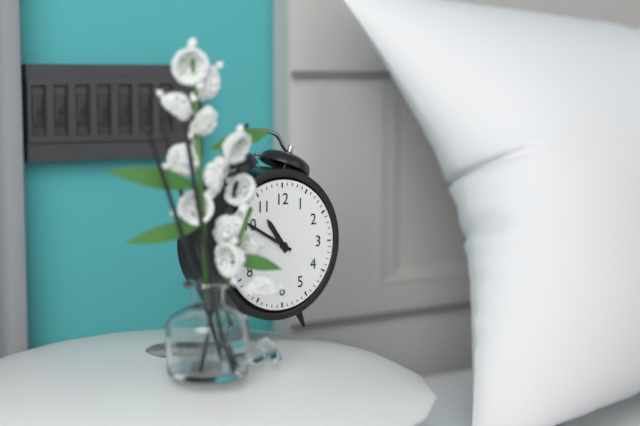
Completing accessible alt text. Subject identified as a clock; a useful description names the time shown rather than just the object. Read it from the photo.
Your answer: 10:50
